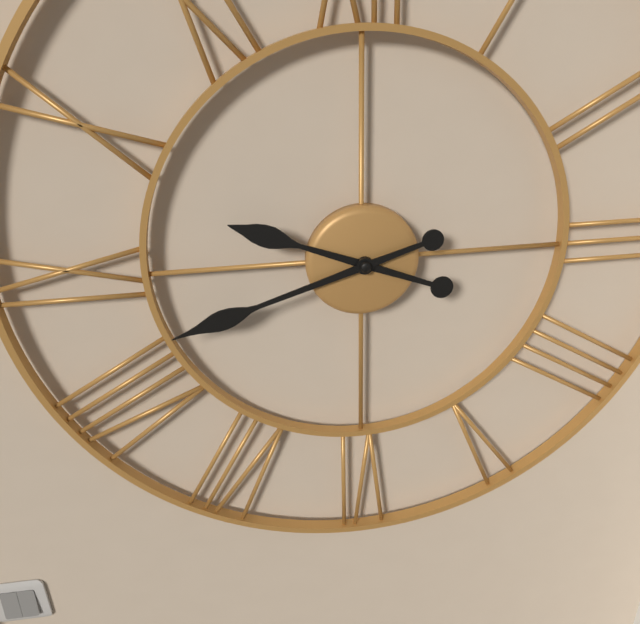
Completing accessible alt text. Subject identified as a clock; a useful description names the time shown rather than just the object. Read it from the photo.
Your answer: 9:42
